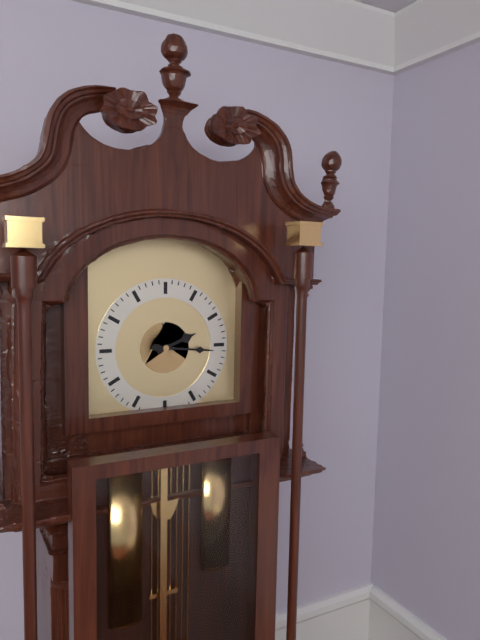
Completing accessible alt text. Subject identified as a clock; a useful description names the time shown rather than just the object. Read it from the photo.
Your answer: 2:16
